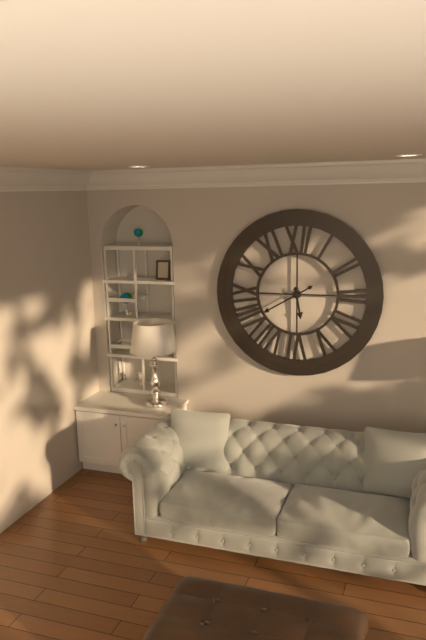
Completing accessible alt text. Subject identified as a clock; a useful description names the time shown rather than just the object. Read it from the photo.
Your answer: 5:40
